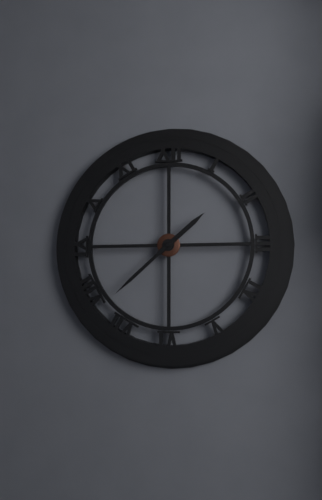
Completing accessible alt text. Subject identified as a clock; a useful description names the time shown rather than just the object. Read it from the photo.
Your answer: 1:38
